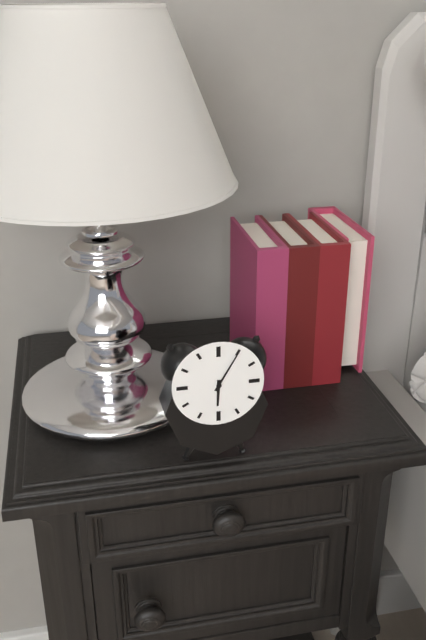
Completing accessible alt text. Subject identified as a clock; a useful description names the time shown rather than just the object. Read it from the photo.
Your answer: 6:05
